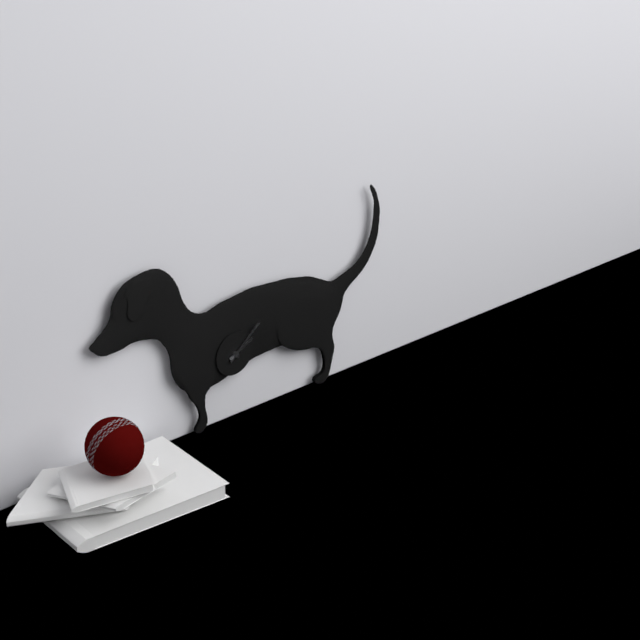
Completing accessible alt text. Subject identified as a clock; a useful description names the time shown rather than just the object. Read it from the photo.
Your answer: 2:08
